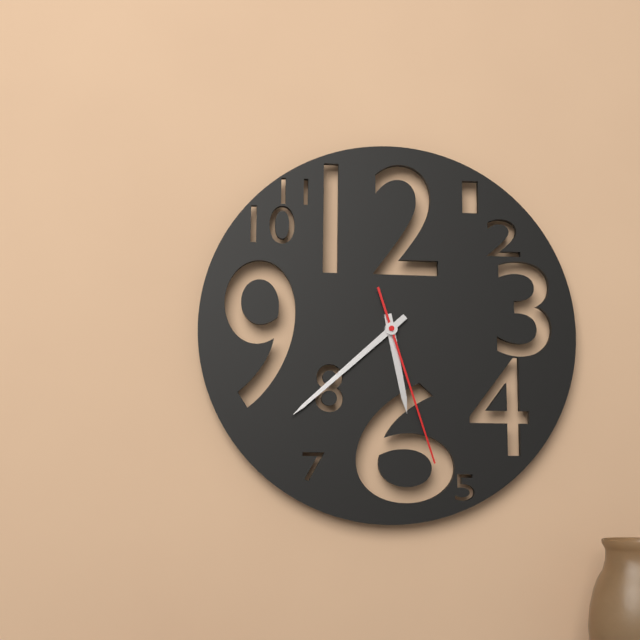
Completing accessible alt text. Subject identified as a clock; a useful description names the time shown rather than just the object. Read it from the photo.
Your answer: 5:38:27
